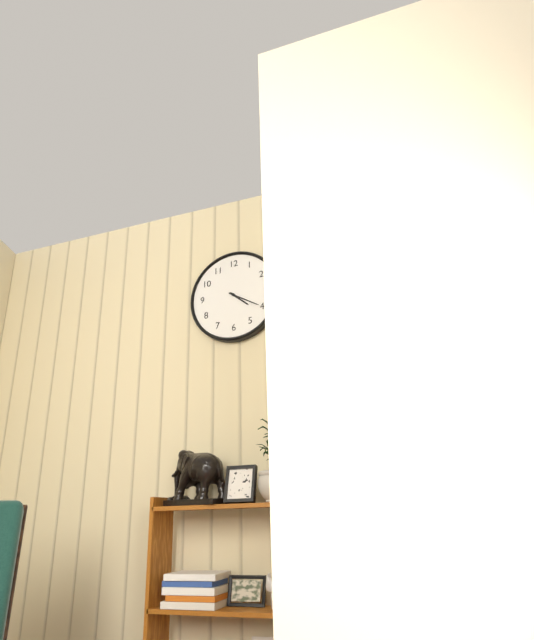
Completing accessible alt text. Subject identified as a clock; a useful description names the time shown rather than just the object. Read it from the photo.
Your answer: 4:20
